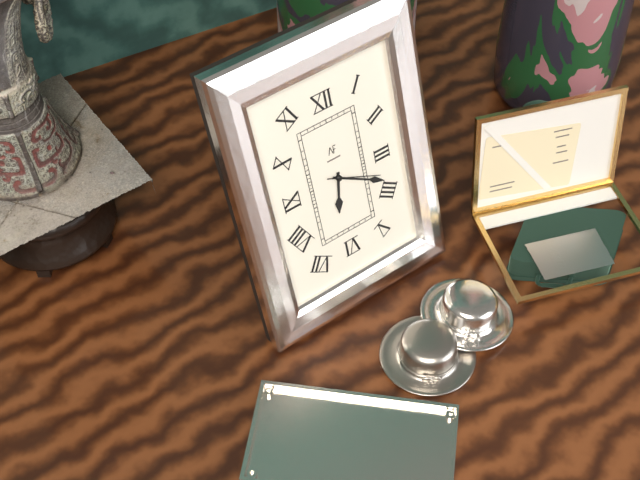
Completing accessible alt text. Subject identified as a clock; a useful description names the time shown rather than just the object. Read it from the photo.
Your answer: 6:20:19
